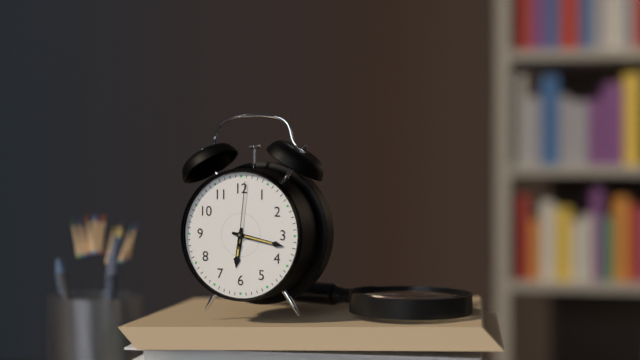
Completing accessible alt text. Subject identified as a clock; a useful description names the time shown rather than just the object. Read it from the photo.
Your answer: 6:17:01
